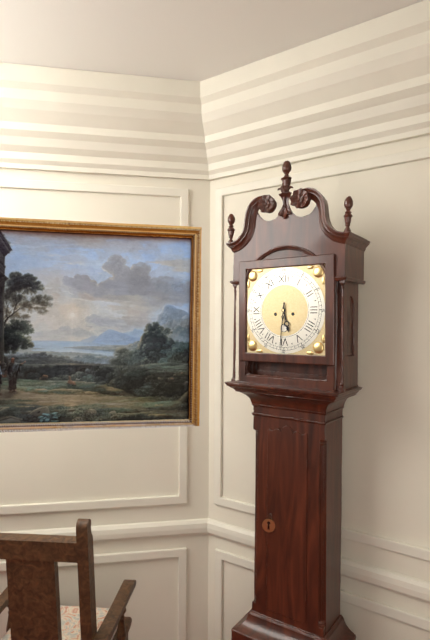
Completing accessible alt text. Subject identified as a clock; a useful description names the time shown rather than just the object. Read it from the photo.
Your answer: 5:31
